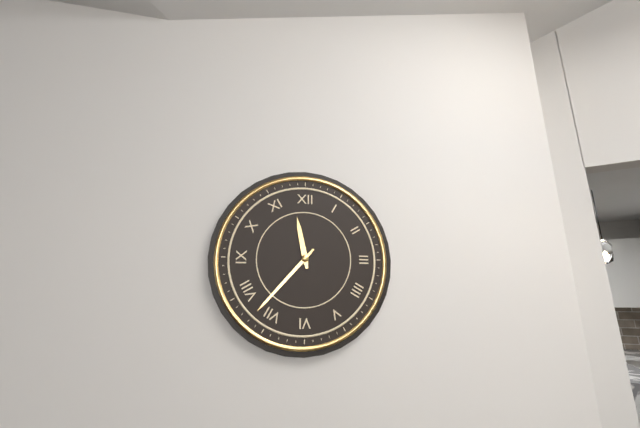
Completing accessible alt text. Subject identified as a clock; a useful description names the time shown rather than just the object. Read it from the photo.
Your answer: 11:37
